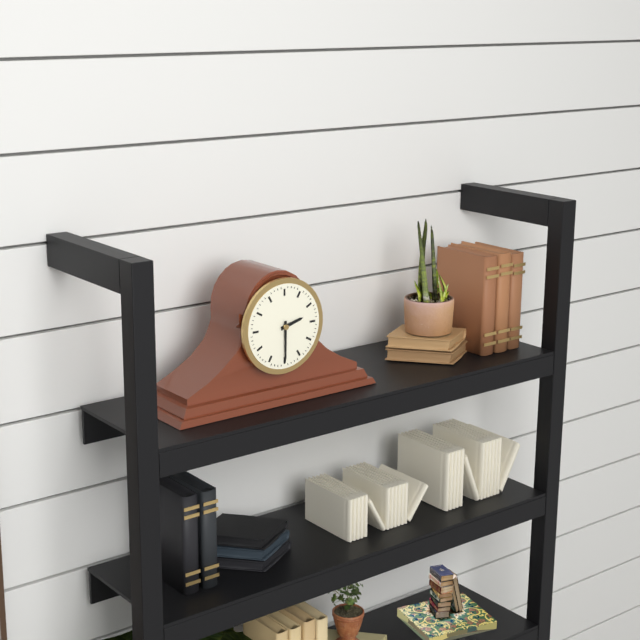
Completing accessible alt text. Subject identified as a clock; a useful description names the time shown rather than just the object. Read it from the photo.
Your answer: 2:30
